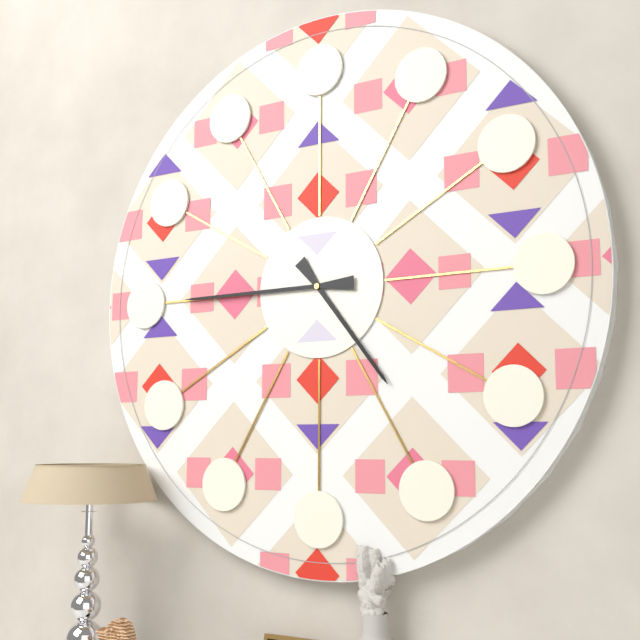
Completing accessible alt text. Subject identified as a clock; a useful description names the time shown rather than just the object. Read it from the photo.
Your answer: 4:45
